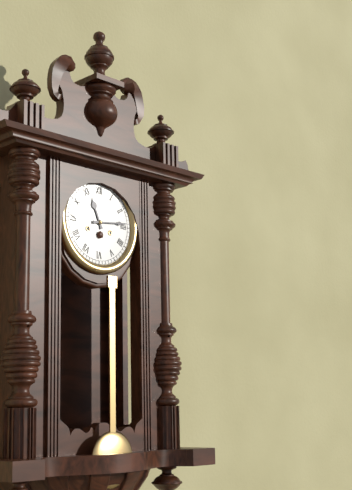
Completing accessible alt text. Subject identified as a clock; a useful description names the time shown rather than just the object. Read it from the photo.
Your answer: 11:14
